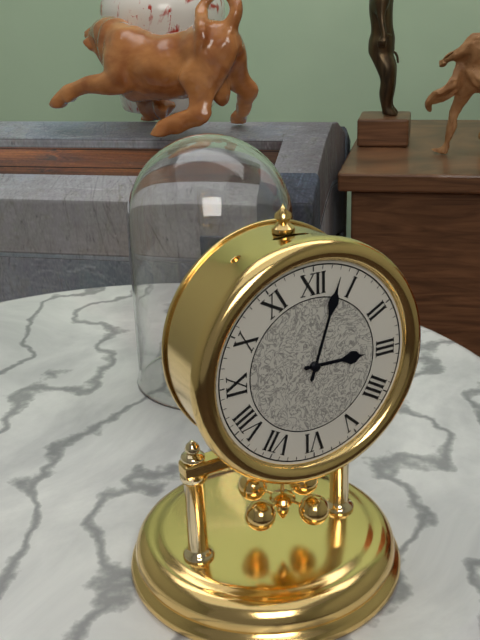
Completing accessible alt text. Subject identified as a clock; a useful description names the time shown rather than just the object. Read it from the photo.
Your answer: 3:03
